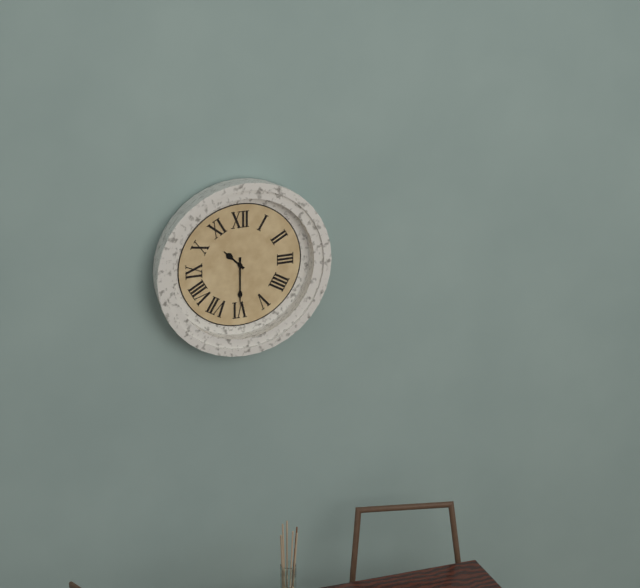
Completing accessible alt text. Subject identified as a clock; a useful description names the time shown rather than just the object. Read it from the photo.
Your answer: 10:30
